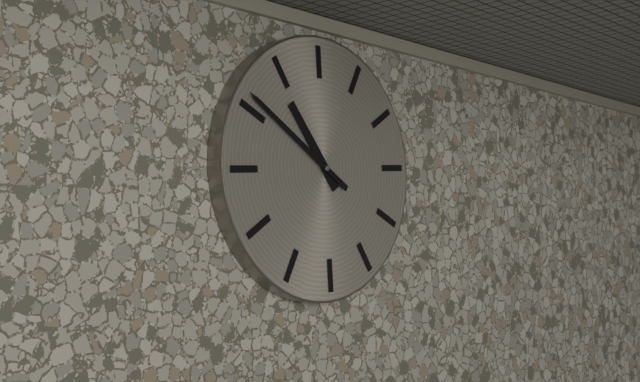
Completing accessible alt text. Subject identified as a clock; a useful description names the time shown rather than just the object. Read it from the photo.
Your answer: 10:51
